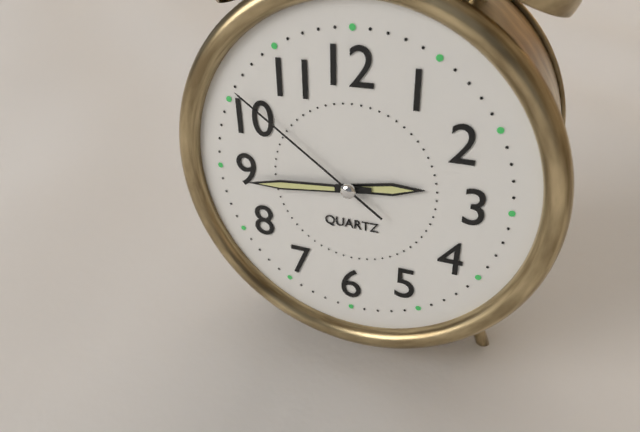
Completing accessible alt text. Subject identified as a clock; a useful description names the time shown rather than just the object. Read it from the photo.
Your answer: 2:44:51
